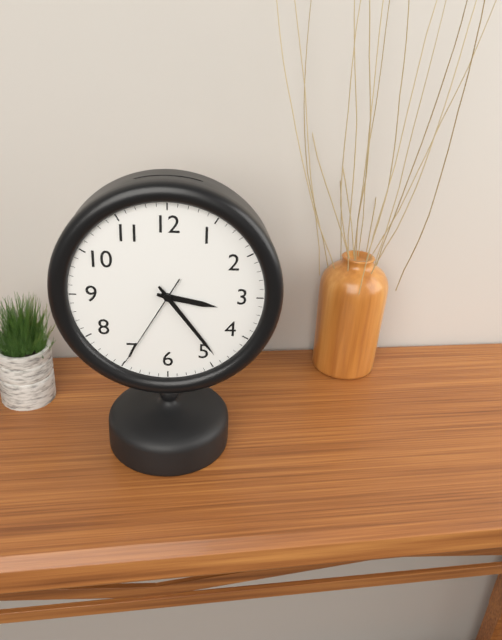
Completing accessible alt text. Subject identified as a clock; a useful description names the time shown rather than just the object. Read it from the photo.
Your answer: 3:24:35
